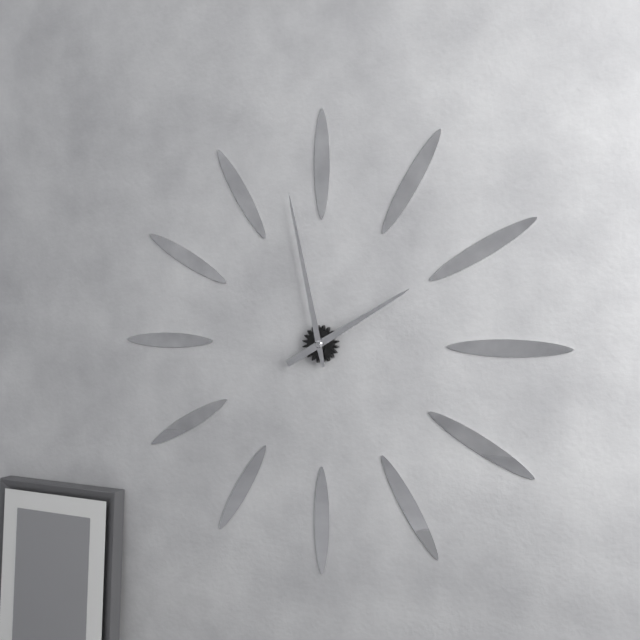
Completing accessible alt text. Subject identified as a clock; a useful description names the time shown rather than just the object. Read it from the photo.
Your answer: 1:58
